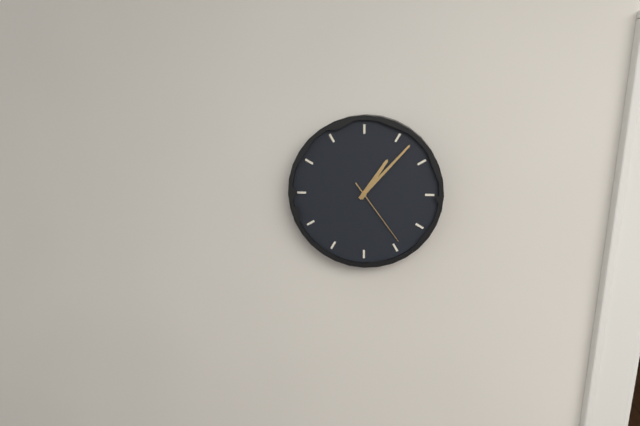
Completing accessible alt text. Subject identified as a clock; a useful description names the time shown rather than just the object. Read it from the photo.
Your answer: 1:07:24
